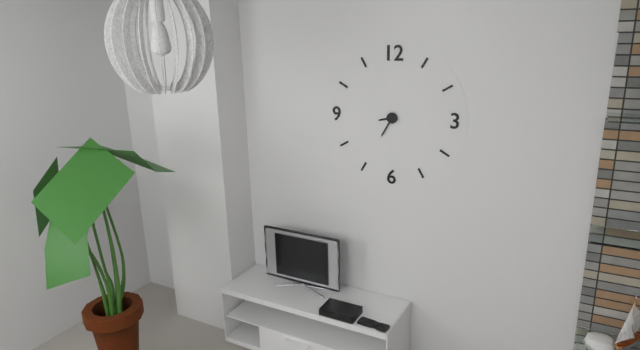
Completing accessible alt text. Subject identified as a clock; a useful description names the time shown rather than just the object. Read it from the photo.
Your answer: 8:35
